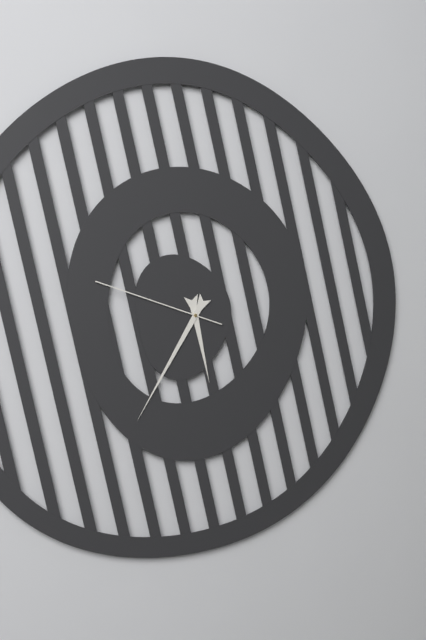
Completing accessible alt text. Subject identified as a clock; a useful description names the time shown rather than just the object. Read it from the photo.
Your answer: 5:35:48
